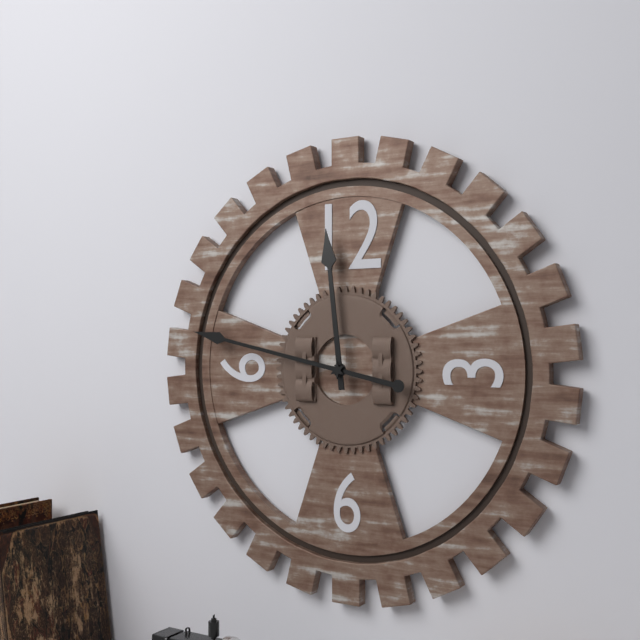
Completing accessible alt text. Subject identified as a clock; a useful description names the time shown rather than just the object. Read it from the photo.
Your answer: 11:47
